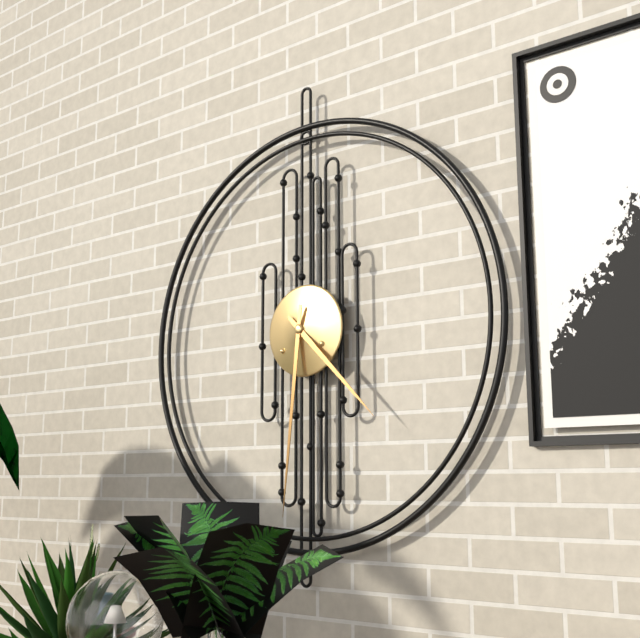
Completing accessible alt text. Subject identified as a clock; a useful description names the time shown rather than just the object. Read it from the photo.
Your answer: 4:31
